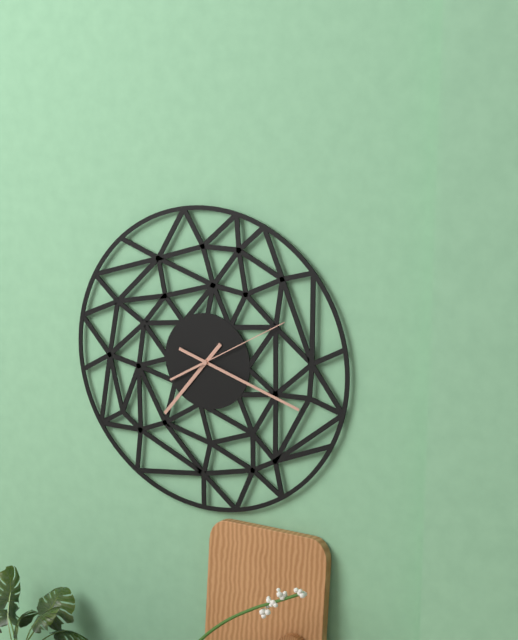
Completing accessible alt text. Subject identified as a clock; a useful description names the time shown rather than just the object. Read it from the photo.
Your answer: 7:18:10
